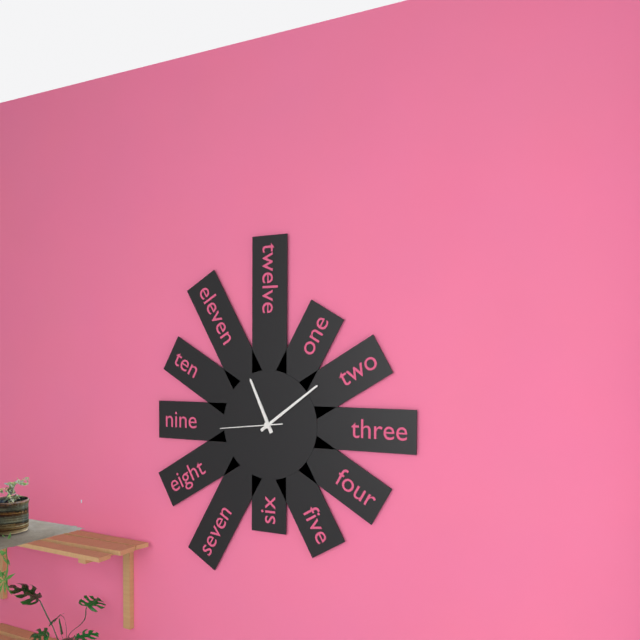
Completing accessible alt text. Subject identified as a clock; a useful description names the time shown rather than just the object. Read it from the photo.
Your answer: 11:09:44
